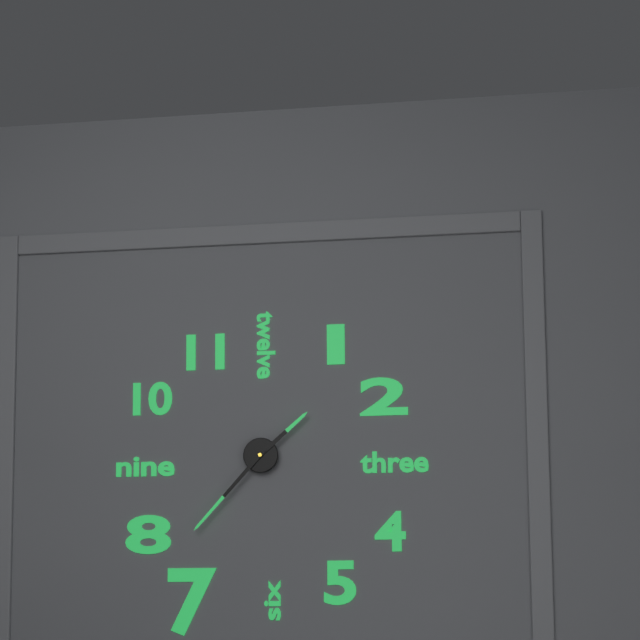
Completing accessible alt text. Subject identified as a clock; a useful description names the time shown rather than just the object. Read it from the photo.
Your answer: 1:37
